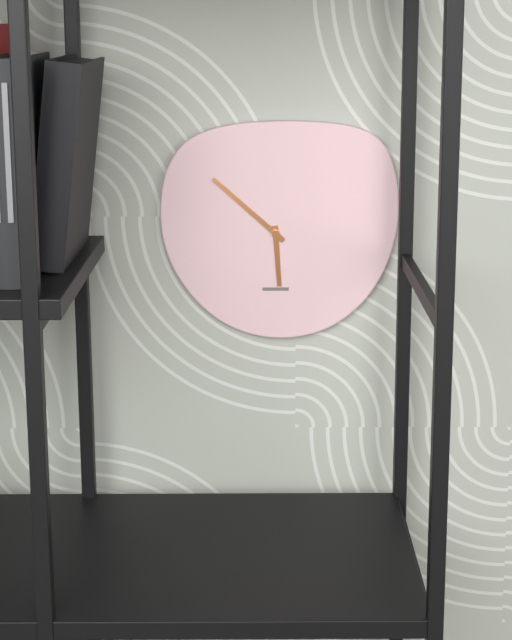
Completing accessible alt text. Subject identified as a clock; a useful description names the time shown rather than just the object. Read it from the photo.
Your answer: 5:52
